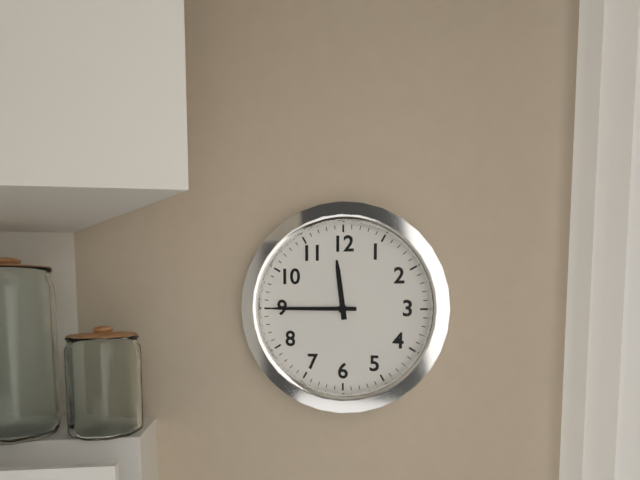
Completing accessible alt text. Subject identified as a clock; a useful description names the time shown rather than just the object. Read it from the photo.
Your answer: 11:45
